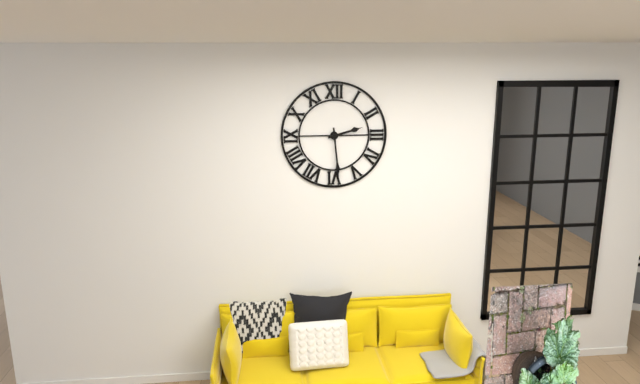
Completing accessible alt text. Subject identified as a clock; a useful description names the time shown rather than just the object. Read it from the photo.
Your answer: 2:29
